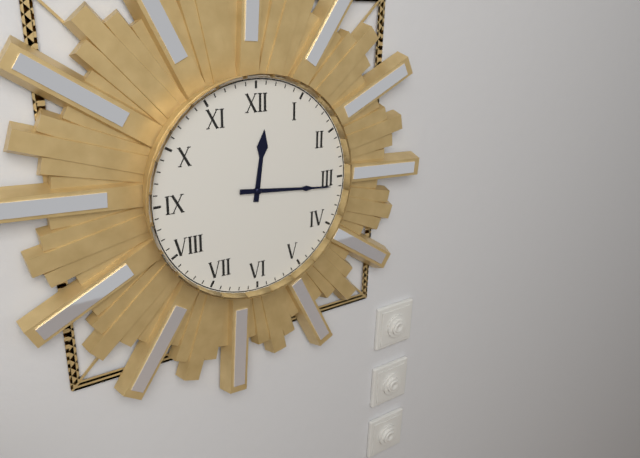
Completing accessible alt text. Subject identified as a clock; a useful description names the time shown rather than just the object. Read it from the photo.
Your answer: 12:16
